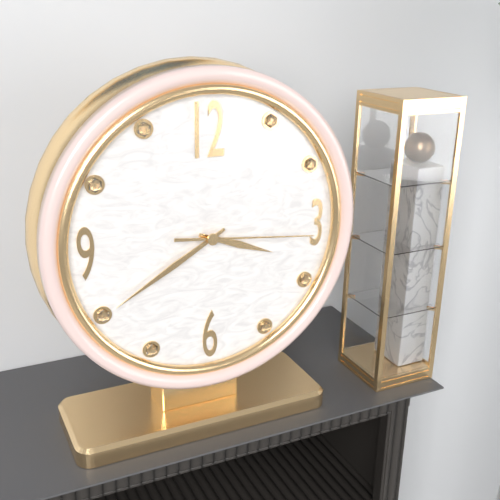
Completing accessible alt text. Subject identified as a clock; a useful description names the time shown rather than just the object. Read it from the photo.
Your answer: 3:40:16
